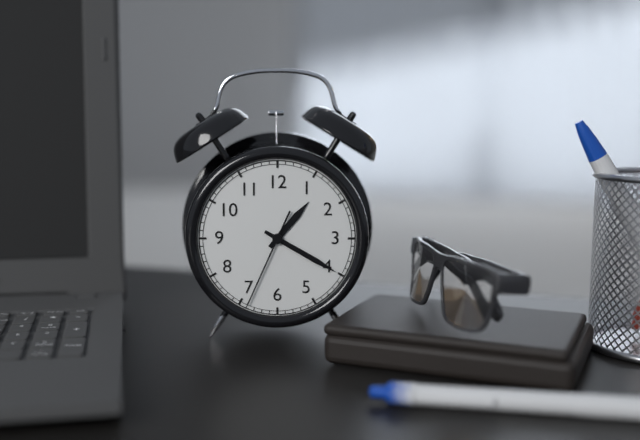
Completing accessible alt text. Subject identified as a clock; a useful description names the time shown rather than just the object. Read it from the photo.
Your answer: 1:20:34
